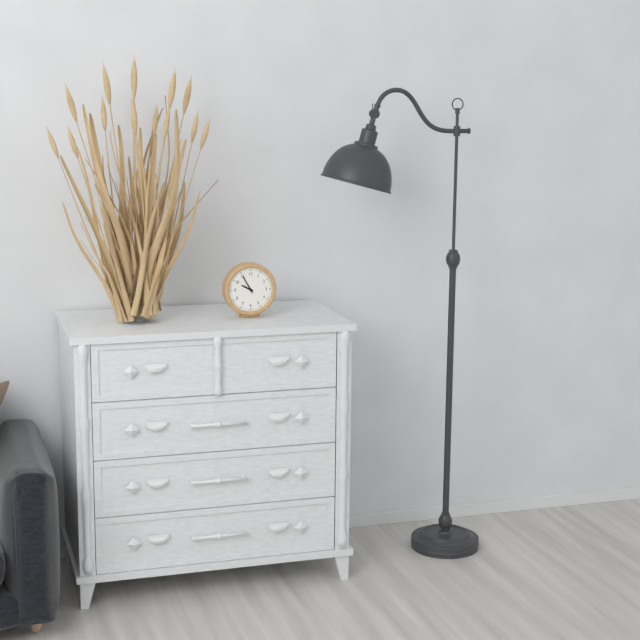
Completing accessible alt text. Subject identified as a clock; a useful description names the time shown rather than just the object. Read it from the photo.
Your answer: 9:55
